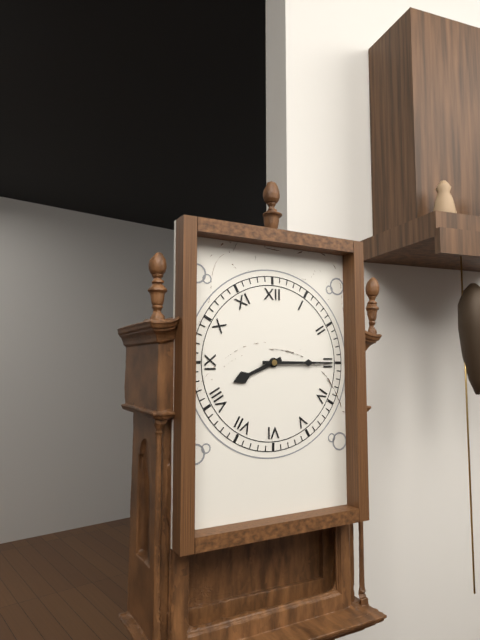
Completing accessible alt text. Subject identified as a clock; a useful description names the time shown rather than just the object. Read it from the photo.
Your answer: 8:15
